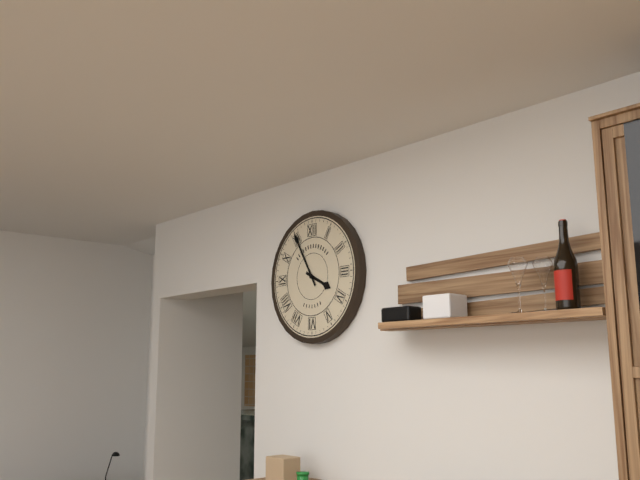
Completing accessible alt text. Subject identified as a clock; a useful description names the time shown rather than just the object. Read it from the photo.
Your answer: 3:55
